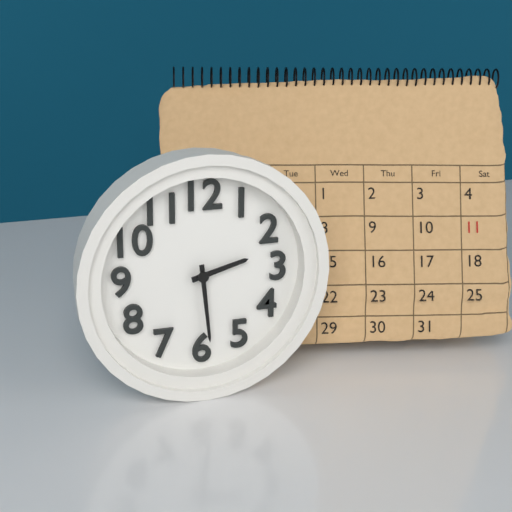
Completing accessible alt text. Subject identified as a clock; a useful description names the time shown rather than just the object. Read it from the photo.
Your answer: 2:29
